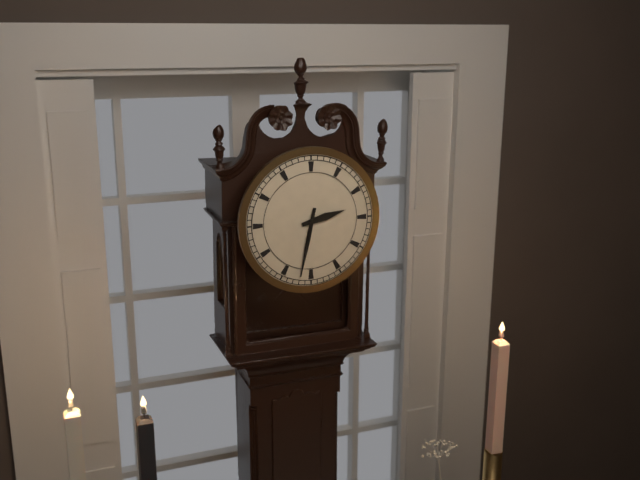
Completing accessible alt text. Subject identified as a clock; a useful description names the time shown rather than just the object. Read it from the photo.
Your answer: 2:32
